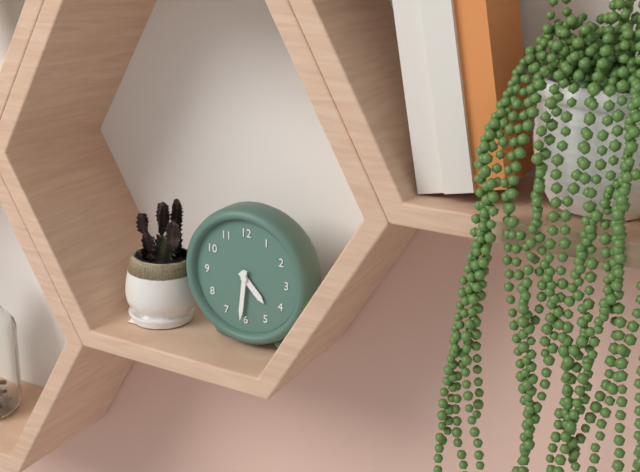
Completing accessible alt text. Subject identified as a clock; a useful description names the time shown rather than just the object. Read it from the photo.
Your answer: 4:31
